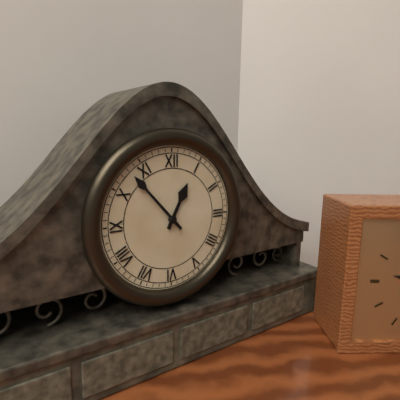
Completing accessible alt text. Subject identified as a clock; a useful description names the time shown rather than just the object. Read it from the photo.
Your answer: 12:53
